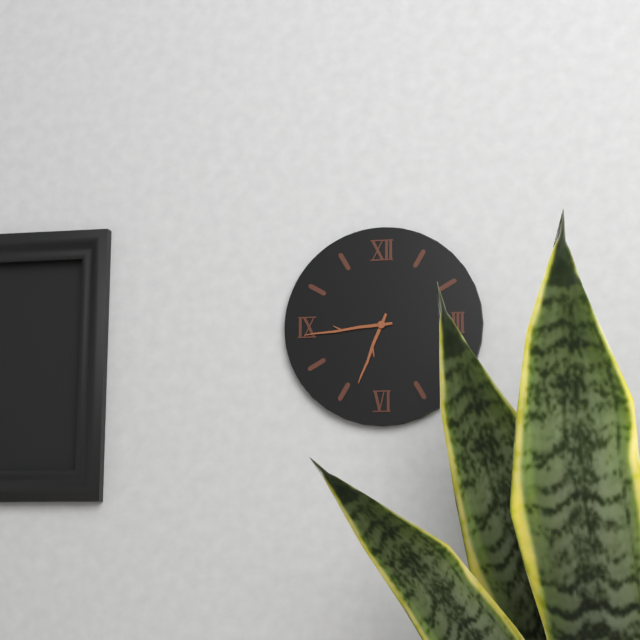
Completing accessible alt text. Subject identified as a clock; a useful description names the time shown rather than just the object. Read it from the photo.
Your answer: 6:44
